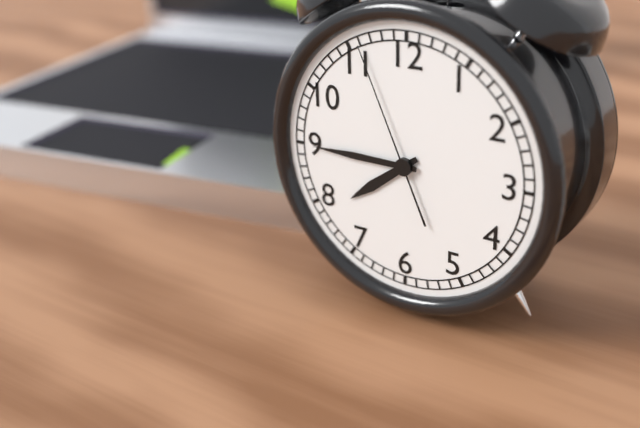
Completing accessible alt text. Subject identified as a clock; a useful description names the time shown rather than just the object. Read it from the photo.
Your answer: 7:45:56
